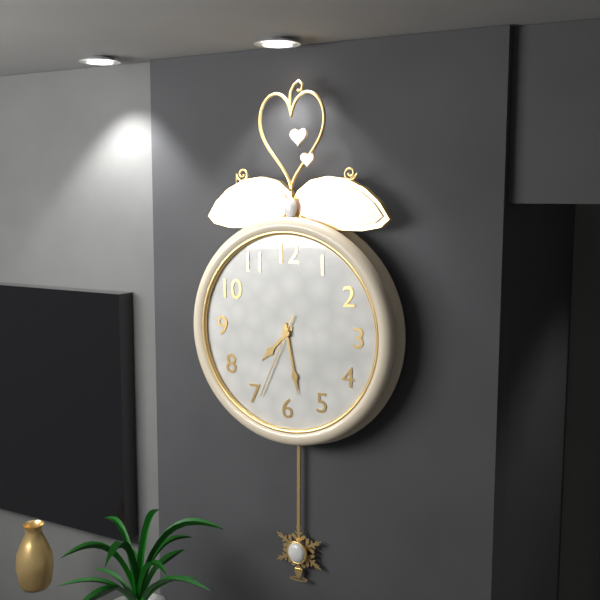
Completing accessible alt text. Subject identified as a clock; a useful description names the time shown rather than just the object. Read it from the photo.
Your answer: 7:28:34
